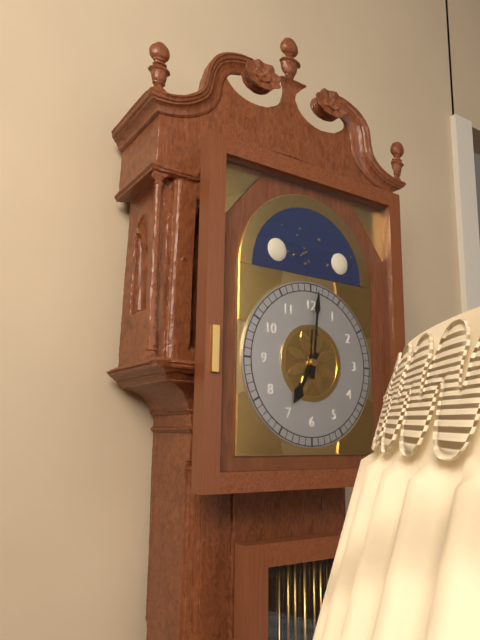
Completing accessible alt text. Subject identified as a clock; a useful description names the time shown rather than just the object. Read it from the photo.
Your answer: 7:01
